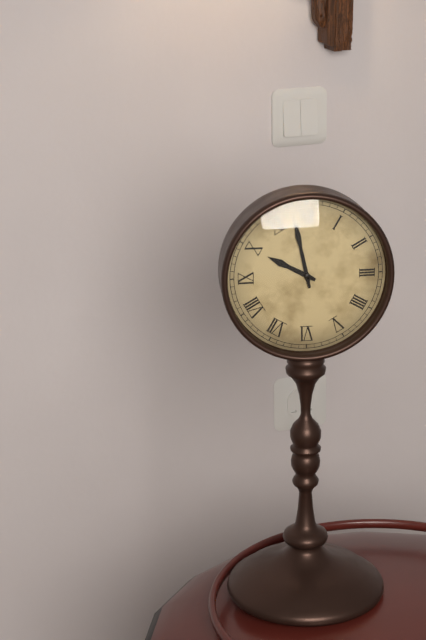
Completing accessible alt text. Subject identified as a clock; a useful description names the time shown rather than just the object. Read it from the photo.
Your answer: 9:58
